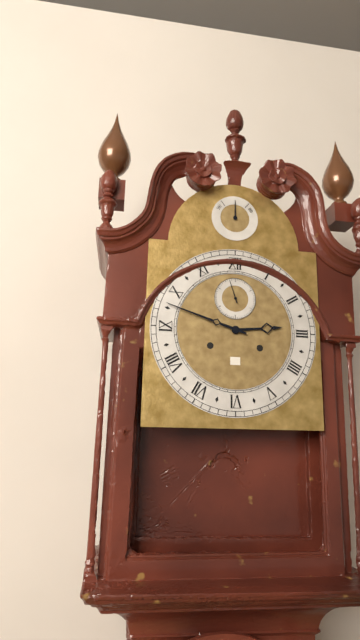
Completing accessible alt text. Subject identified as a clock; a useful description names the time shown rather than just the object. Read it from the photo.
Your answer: 2:48
